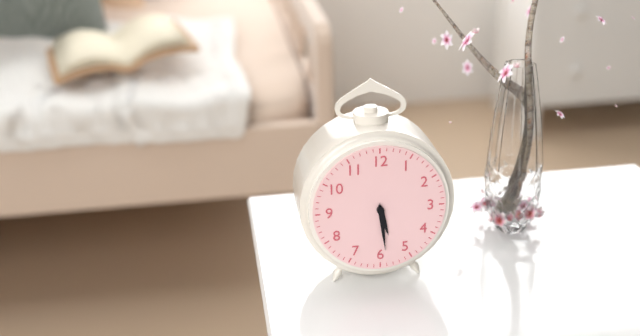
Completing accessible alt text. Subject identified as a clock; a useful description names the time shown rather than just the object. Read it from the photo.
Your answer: 5:29
